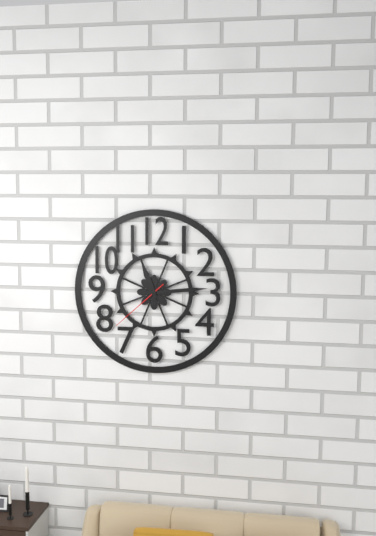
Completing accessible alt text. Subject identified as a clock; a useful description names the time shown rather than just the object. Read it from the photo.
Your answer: 11:14:38
